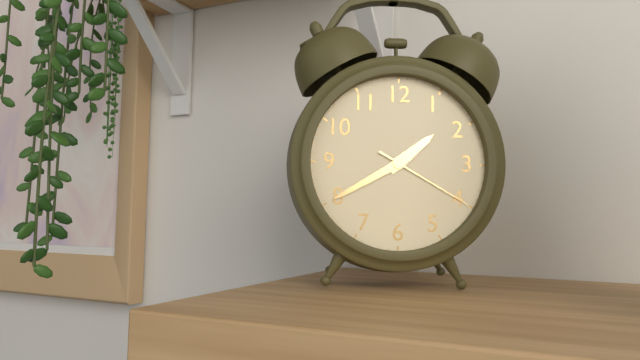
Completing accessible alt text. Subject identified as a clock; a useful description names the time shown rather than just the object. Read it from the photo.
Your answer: 1:40:20
